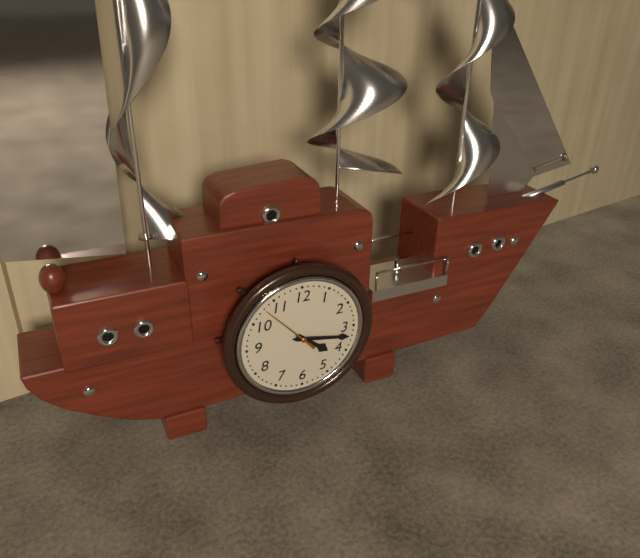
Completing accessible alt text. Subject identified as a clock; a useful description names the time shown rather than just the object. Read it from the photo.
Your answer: 4:17:53
